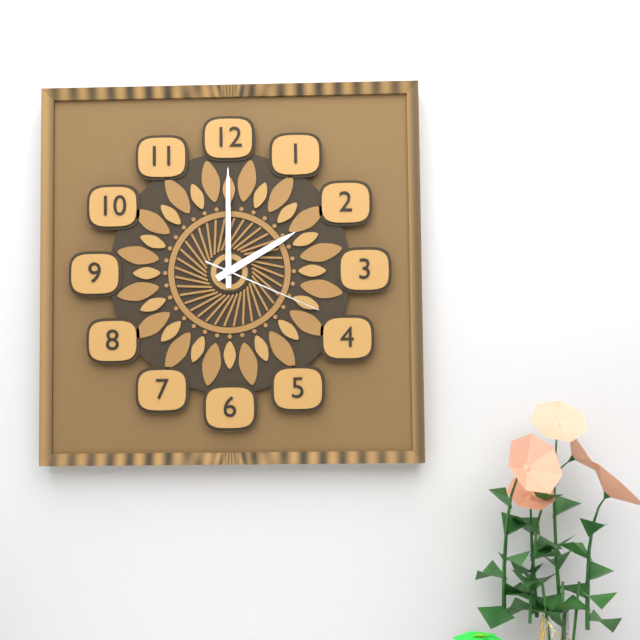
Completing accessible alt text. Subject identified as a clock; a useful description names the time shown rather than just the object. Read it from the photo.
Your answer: 2:00:19
